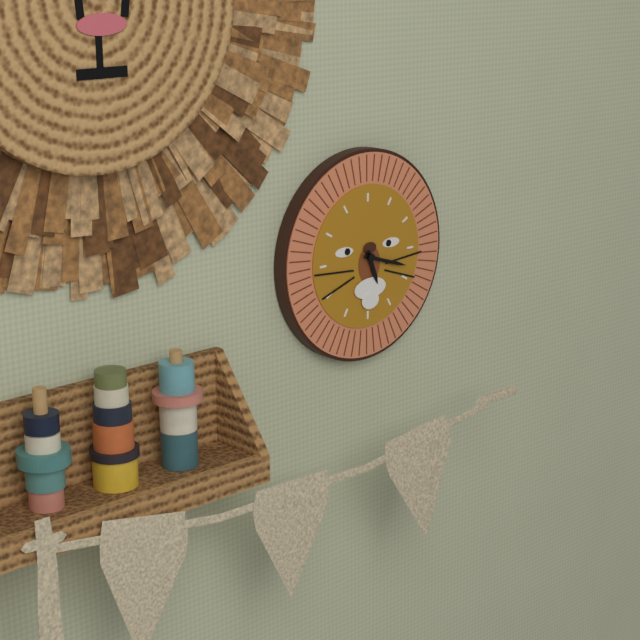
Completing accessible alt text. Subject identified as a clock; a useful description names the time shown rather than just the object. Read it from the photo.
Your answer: 5:18
